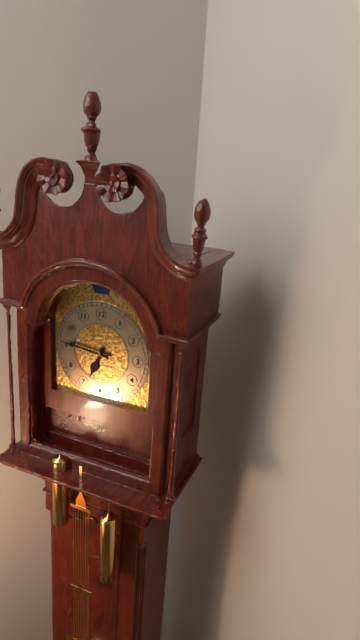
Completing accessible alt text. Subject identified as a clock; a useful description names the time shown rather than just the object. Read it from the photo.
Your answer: 6:46
